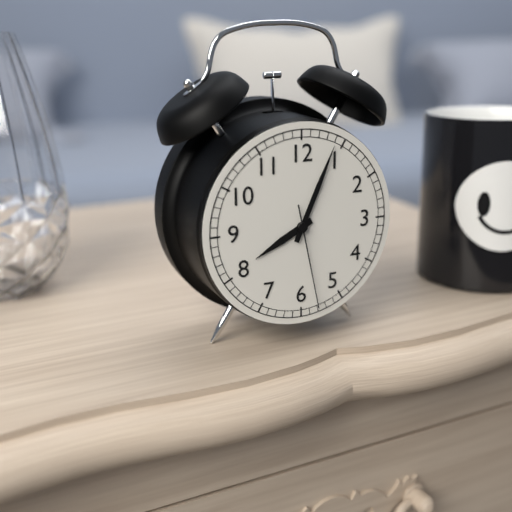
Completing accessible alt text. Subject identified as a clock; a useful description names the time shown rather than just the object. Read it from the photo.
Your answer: 8:04:28
